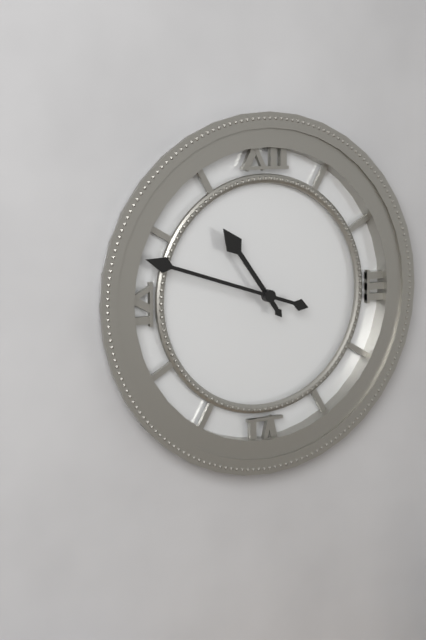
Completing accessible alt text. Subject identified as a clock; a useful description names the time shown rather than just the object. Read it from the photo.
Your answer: 10:48
